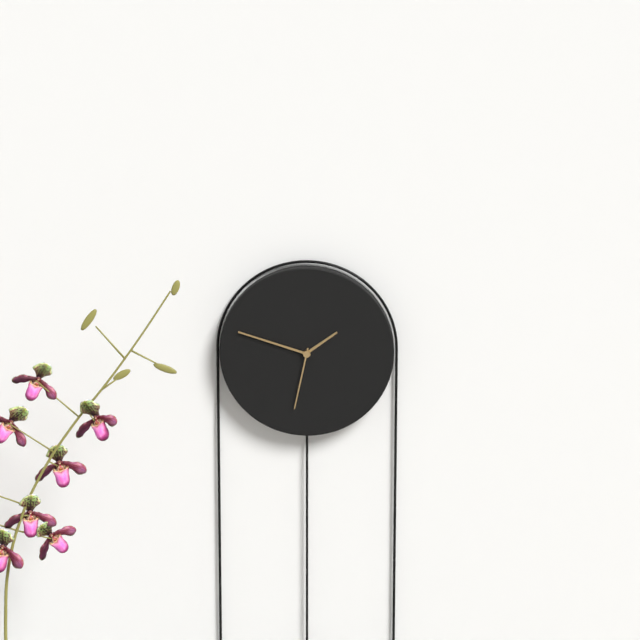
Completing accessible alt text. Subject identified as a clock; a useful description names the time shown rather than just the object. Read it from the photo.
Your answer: 1:48:32
